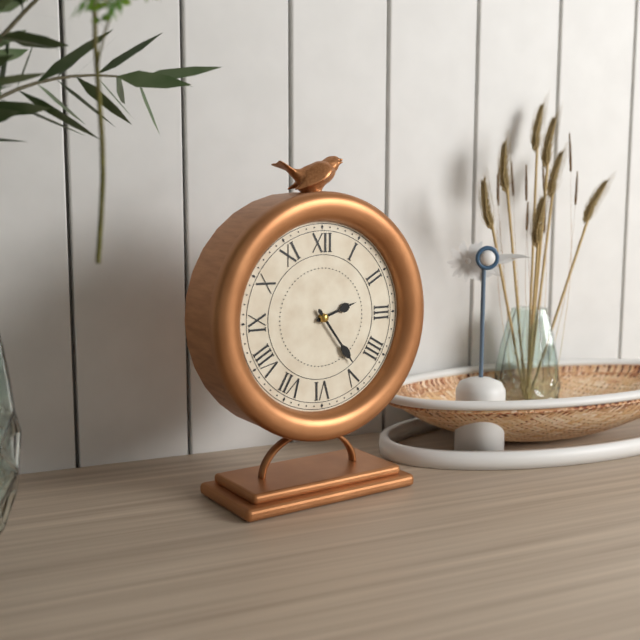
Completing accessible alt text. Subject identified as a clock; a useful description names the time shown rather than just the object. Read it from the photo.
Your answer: 2:24
